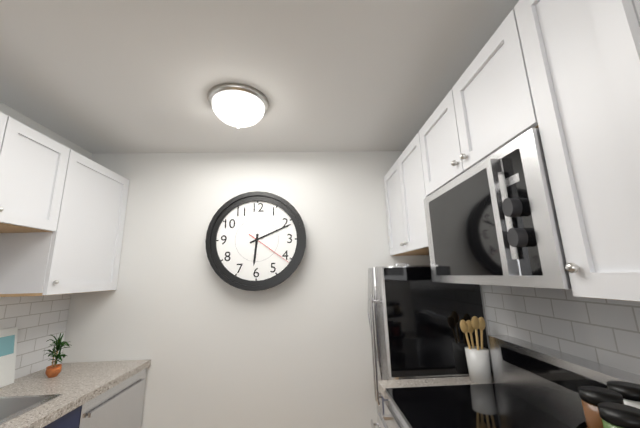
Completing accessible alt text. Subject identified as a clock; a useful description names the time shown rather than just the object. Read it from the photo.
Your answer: 6:11
